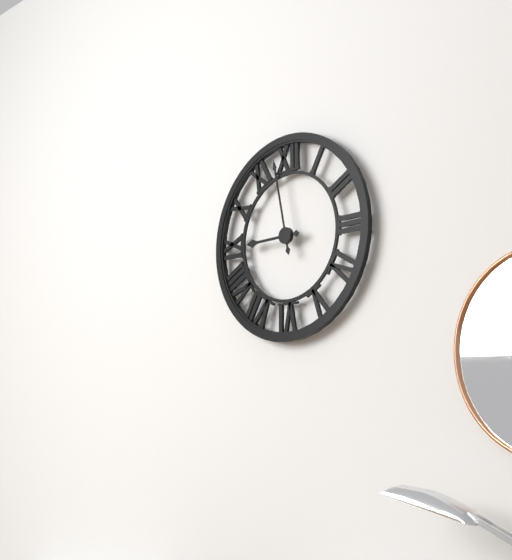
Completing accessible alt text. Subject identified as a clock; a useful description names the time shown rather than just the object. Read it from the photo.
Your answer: 8:58
